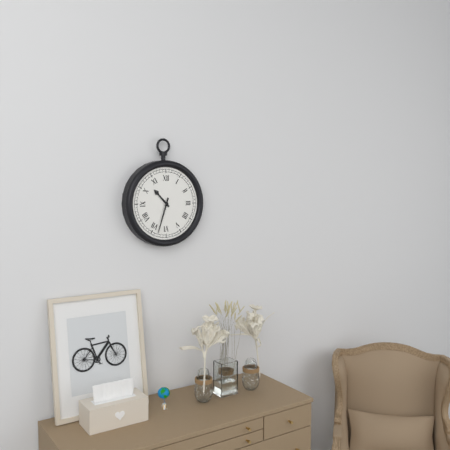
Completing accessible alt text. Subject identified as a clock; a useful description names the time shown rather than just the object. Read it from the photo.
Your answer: 10:33
